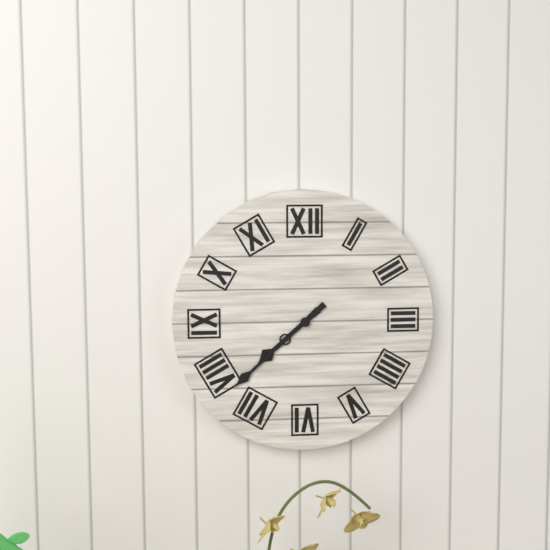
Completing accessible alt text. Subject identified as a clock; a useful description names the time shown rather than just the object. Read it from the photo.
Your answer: 7:38
